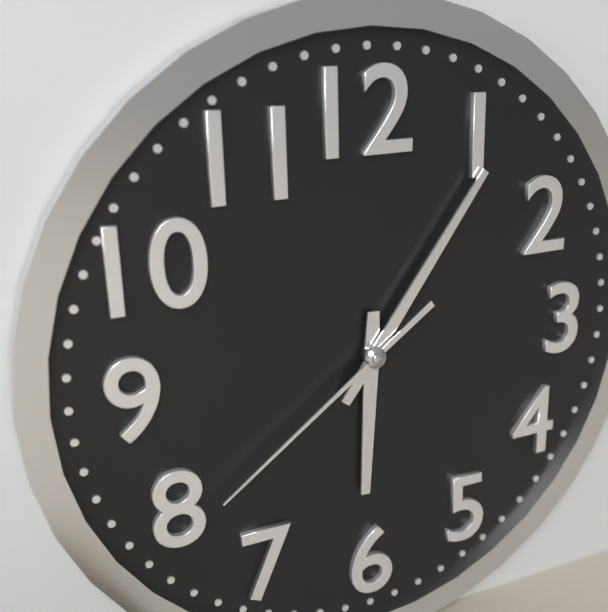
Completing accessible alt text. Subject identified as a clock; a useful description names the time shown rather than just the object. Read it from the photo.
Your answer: 6:06:39
